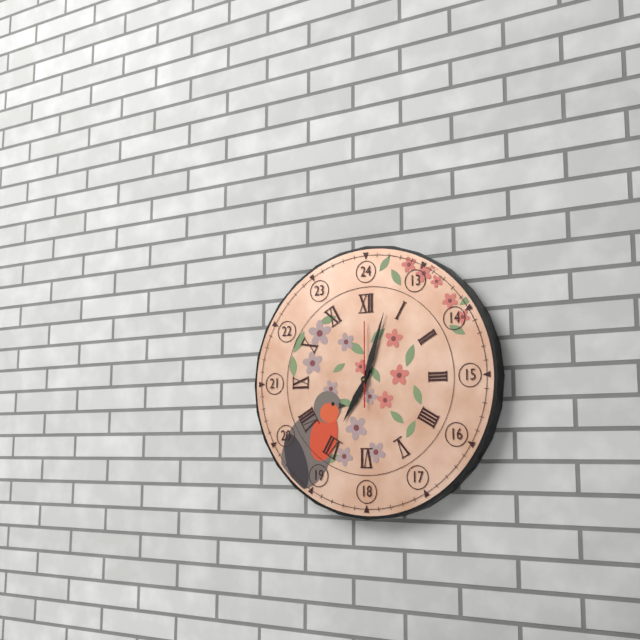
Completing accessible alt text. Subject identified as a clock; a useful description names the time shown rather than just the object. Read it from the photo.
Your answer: 7:03:00
